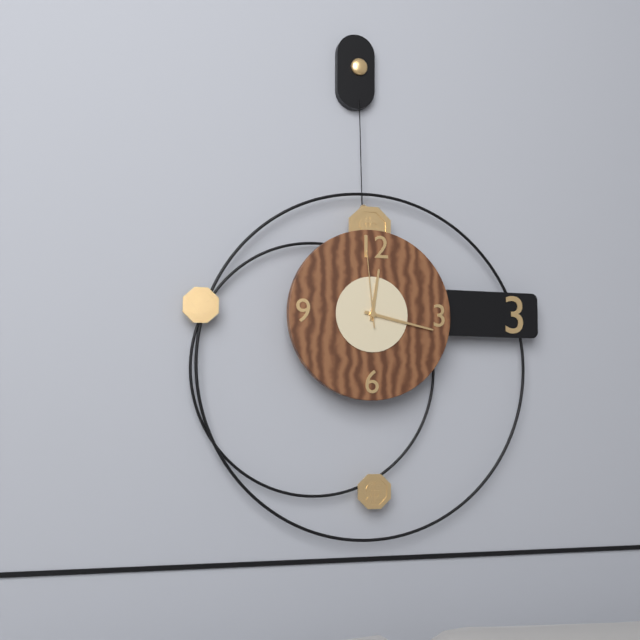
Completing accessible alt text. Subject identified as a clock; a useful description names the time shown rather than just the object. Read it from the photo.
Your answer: 12:17:59
